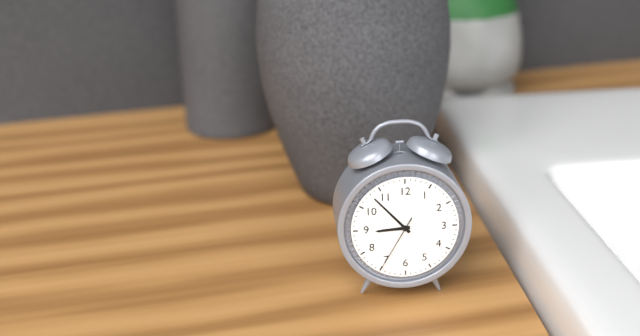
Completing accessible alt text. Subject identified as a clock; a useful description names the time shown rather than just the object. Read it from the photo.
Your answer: 8:53:35
